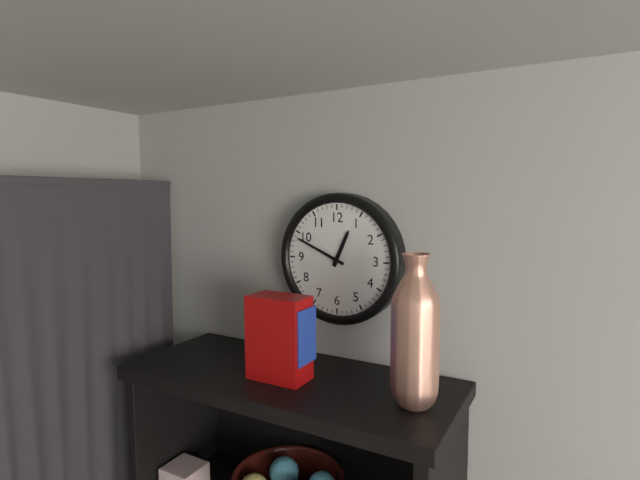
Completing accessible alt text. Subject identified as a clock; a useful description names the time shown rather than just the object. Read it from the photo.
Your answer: 12:49
